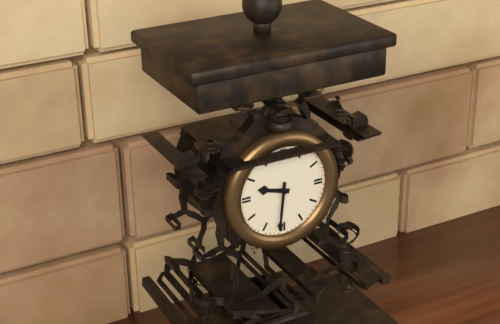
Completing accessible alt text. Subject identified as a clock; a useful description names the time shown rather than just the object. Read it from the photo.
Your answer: 9:31
